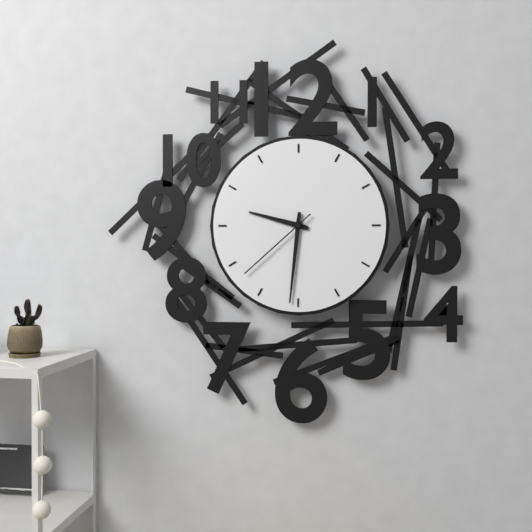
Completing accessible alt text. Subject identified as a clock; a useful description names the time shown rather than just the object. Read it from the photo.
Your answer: 9:31:38
